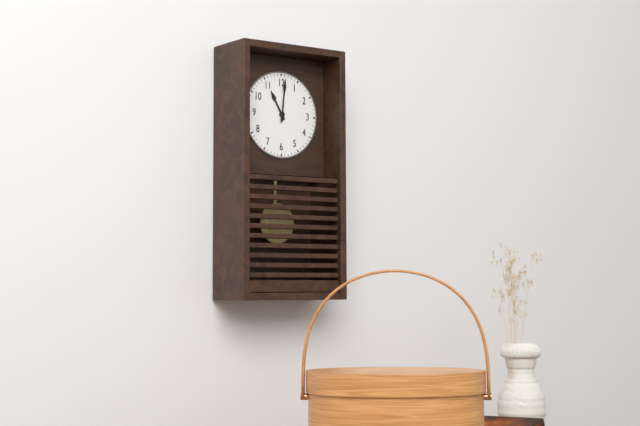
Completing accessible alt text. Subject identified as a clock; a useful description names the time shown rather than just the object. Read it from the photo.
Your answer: 11:01
